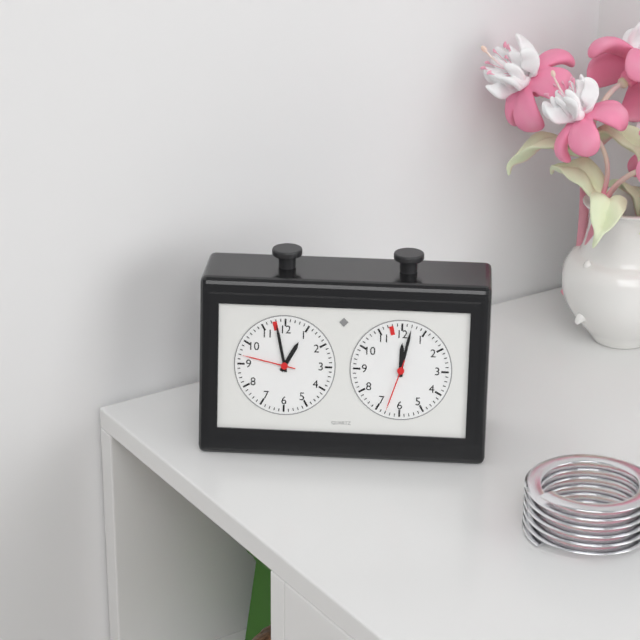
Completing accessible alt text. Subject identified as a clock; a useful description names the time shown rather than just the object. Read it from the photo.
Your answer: 12:58:47
